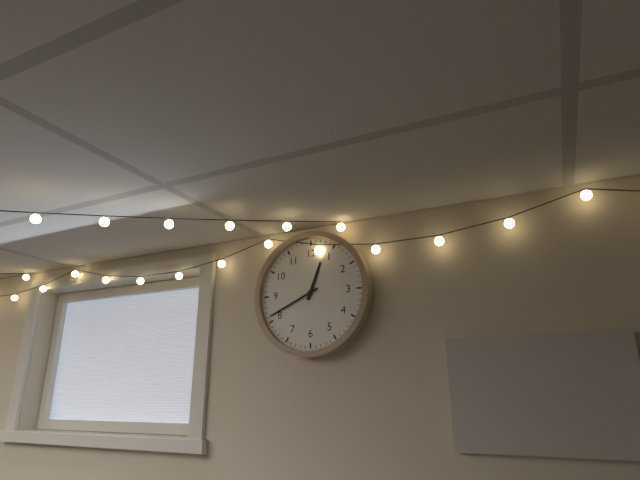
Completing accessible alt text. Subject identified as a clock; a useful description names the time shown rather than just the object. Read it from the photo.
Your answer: 12:41
